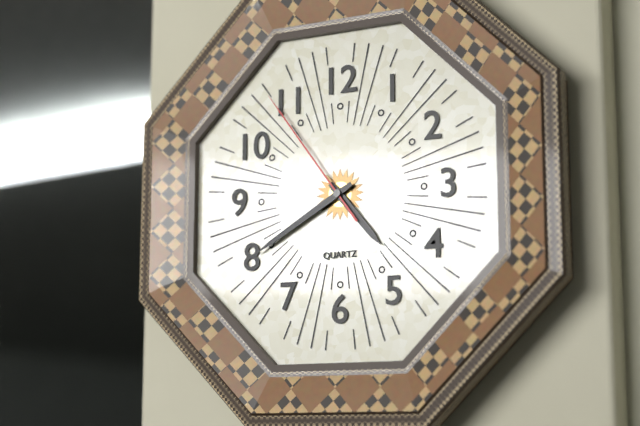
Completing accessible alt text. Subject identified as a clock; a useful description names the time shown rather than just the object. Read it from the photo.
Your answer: 4:40:54
